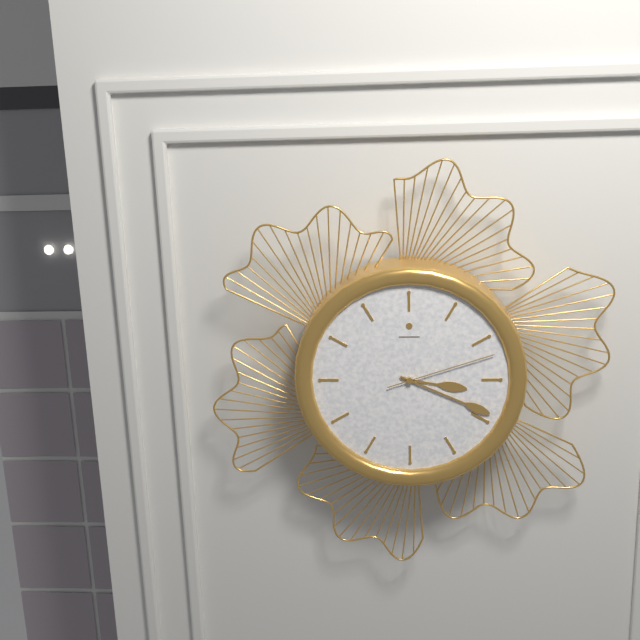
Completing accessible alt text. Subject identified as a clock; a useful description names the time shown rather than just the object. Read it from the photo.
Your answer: 3:19:12
